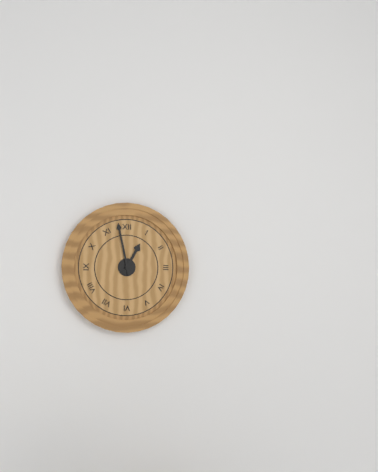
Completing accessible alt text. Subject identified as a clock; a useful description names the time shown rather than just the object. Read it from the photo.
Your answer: 12:58
